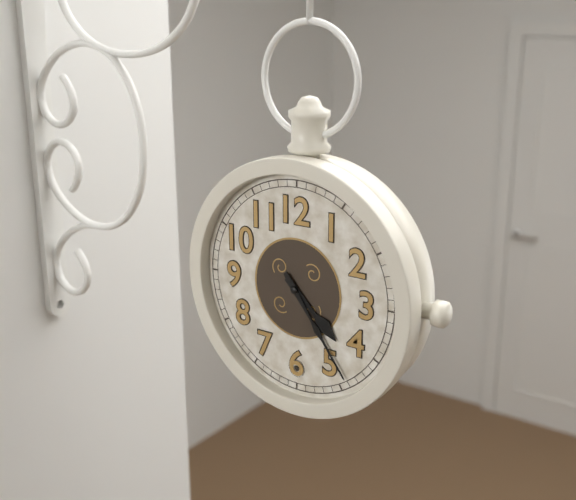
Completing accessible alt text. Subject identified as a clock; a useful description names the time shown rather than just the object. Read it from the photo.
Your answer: 4:24
